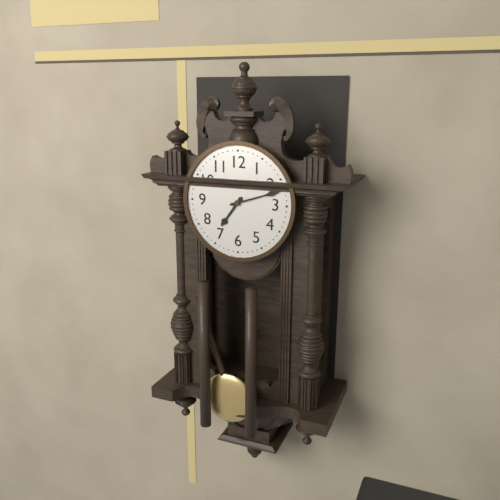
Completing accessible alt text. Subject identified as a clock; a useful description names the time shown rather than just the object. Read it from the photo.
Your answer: 7:12
